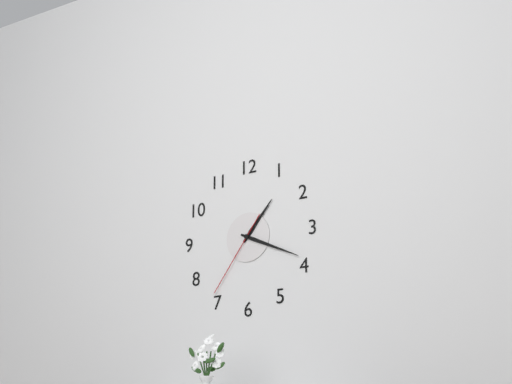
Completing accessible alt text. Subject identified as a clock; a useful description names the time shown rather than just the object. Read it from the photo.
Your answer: 1:19:36
